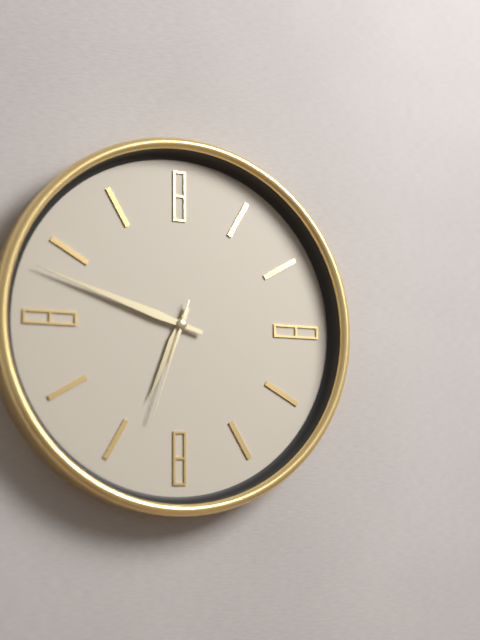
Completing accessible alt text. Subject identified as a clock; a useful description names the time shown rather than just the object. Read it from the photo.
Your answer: 6:48:33
